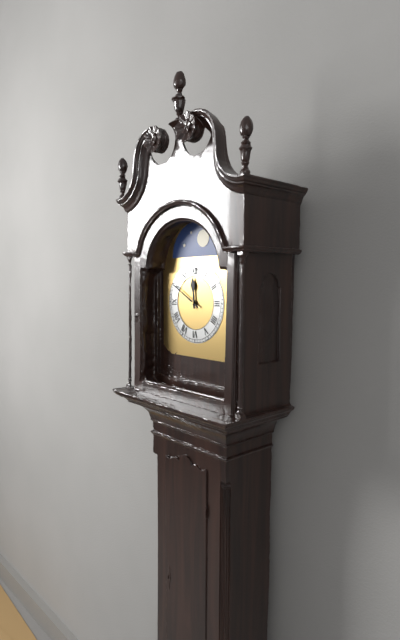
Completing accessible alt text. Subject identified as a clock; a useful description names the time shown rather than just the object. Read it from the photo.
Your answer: 11:50
